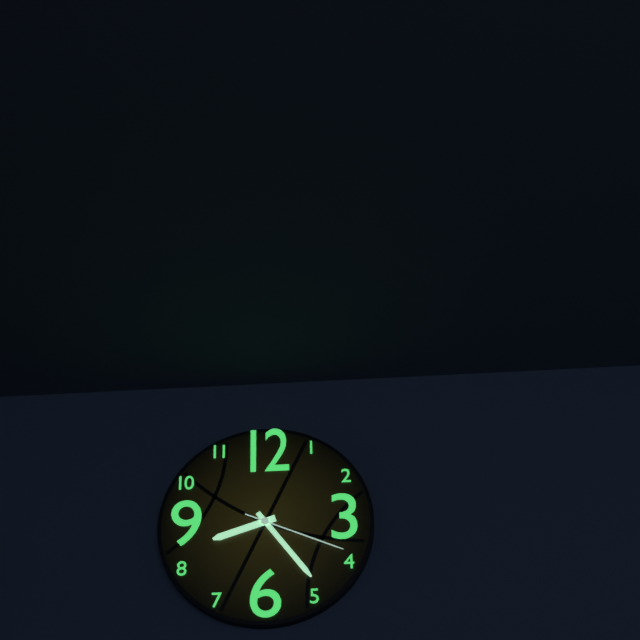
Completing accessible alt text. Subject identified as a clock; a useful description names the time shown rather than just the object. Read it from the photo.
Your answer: 8:24:19
